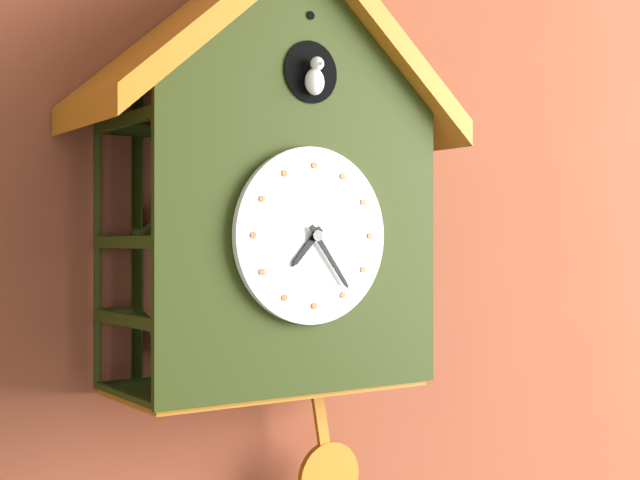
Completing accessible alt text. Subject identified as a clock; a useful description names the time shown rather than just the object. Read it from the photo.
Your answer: 7:24
